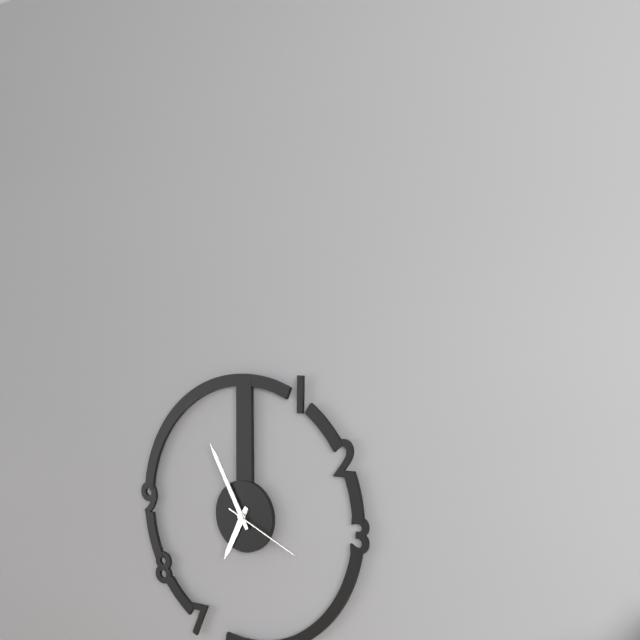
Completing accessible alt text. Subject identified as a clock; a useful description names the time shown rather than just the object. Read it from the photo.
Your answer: 6:55:19
